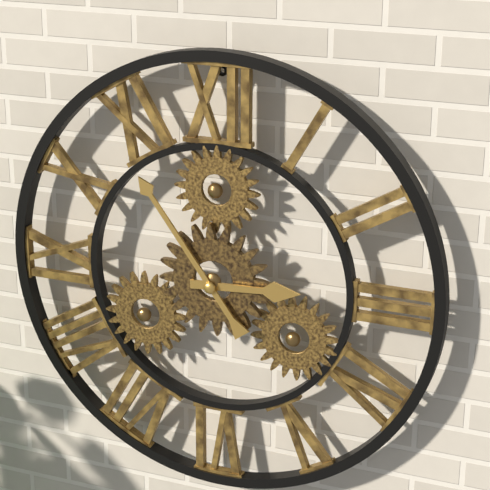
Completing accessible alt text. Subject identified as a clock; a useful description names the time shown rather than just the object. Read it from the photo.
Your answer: 2:54
